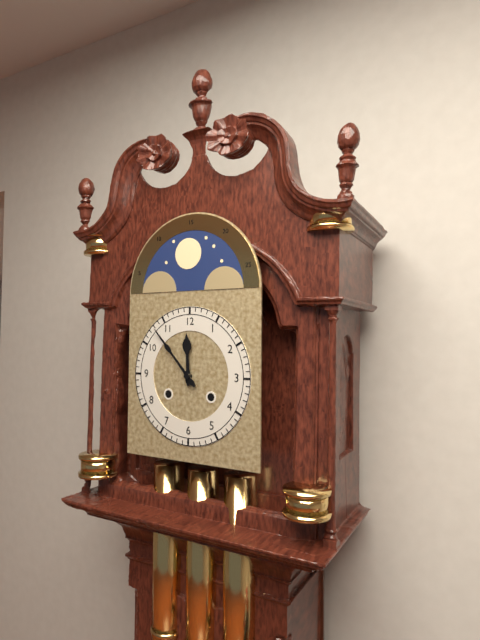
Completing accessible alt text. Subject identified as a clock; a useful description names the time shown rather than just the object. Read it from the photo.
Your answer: 11:53
